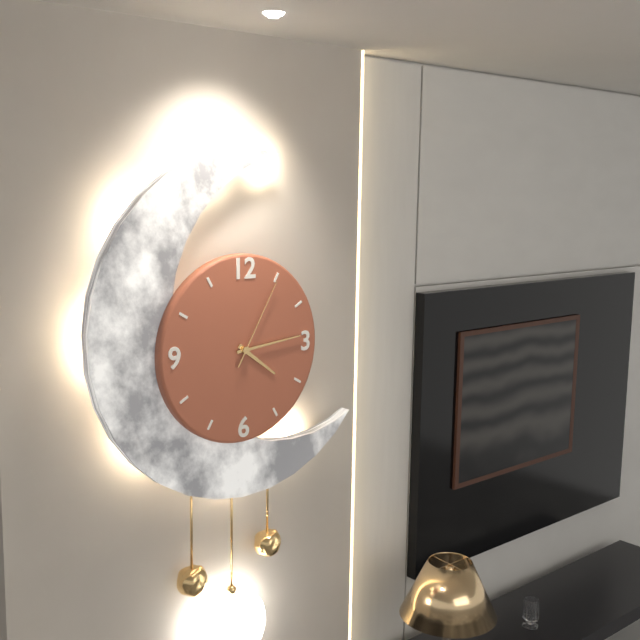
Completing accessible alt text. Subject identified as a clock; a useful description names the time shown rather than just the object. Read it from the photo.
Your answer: 4:14:05
